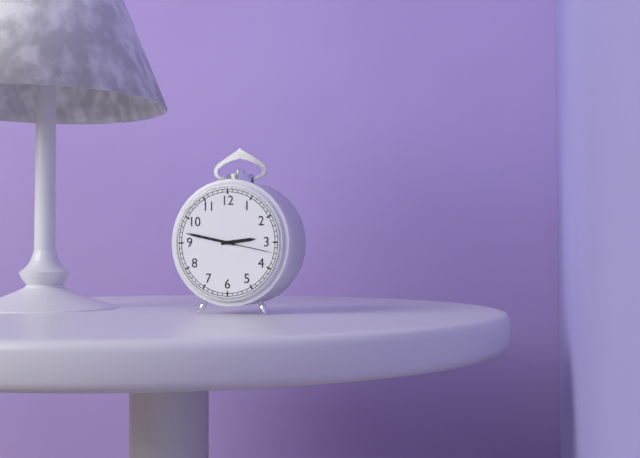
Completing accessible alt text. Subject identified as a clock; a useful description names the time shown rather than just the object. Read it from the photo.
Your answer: 2:47:17
